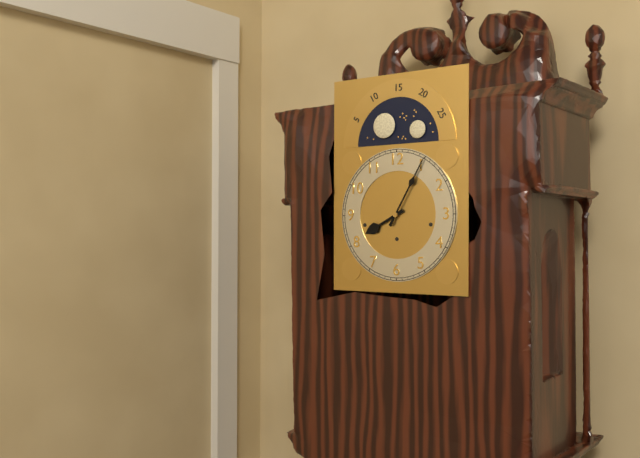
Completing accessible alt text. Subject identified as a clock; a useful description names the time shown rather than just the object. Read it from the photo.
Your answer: 8:05
